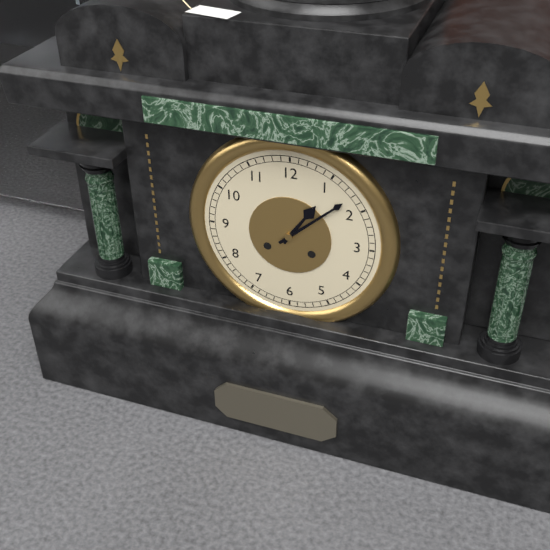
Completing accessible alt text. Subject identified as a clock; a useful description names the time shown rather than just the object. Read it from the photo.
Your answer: 1:08
